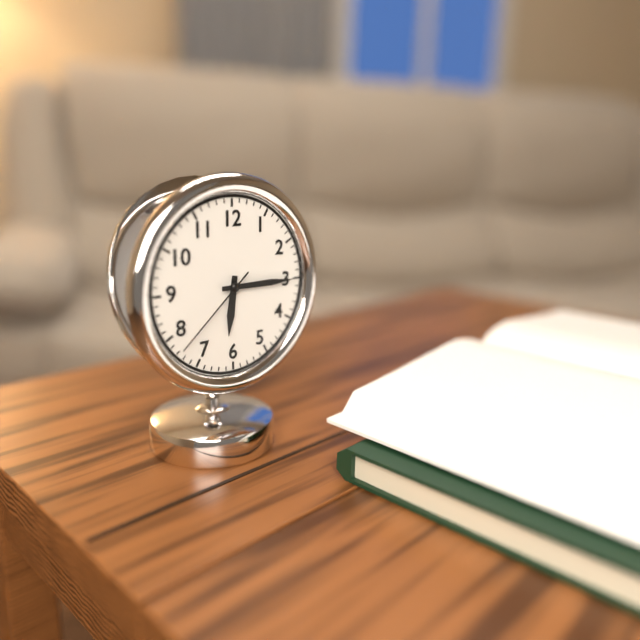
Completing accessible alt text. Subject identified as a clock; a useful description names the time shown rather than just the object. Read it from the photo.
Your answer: 6:15:38
